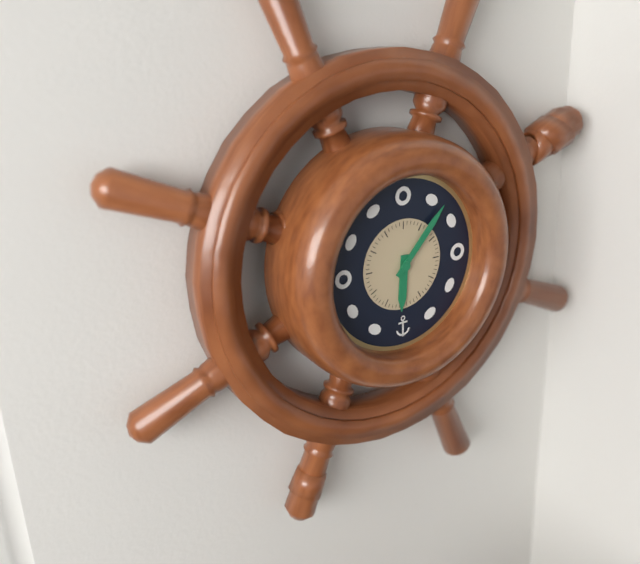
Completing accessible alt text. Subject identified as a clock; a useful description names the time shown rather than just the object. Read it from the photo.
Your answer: 6:07
